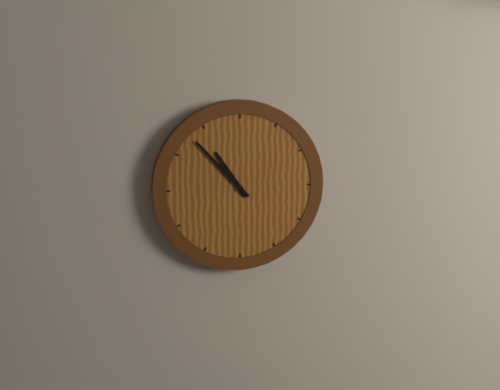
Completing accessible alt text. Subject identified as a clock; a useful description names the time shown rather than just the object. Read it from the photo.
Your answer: 10:53
